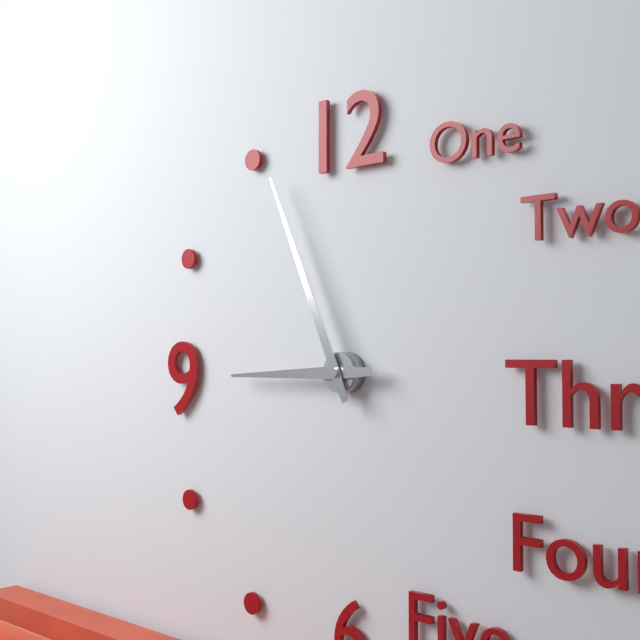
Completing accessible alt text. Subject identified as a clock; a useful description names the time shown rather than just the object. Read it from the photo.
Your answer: 8:56
